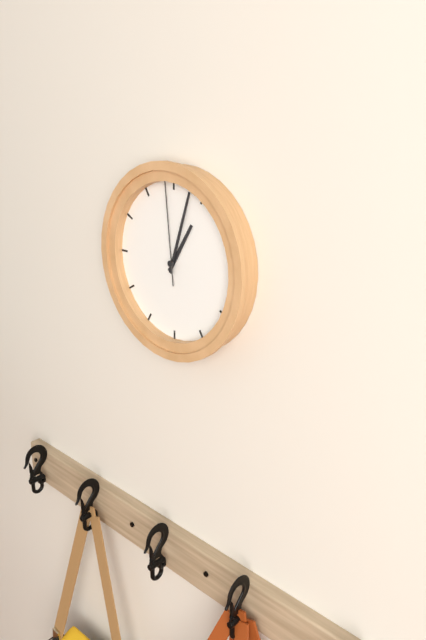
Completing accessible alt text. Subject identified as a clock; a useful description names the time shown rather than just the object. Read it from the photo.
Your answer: 1:03:59
